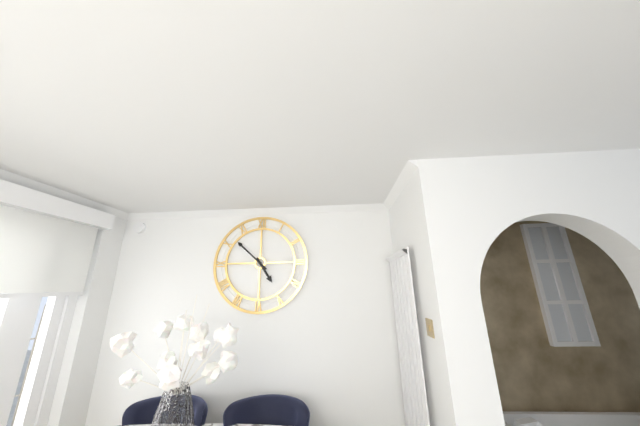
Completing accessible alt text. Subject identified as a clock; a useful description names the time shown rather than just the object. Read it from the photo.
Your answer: 4:52
